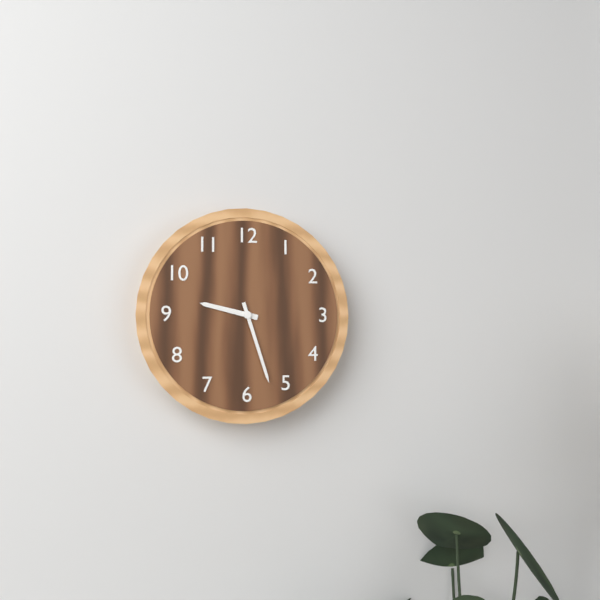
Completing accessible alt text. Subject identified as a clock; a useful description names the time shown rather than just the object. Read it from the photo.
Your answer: 9:27
